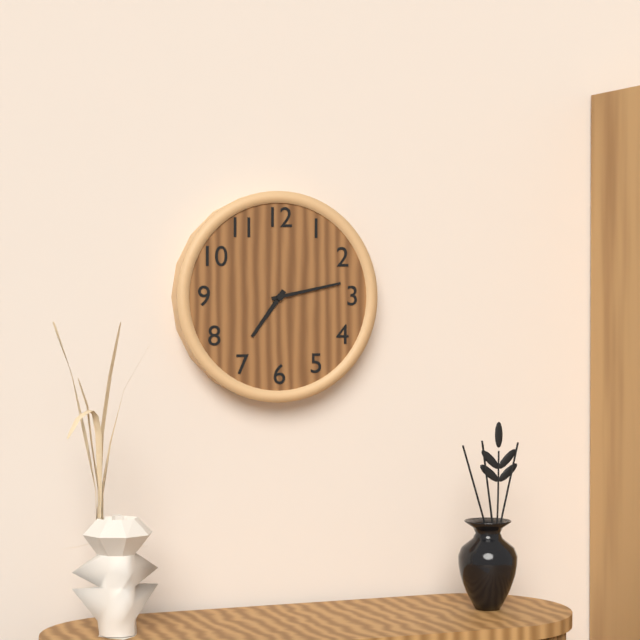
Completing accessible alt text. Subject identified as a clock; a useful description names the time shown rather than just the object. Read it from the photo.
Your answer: 7:13
